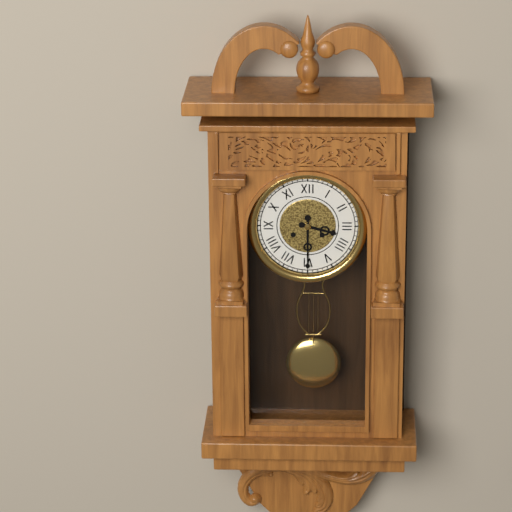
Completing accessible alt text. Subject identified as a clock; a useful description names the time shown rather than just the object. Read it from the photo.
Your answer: 3:30
